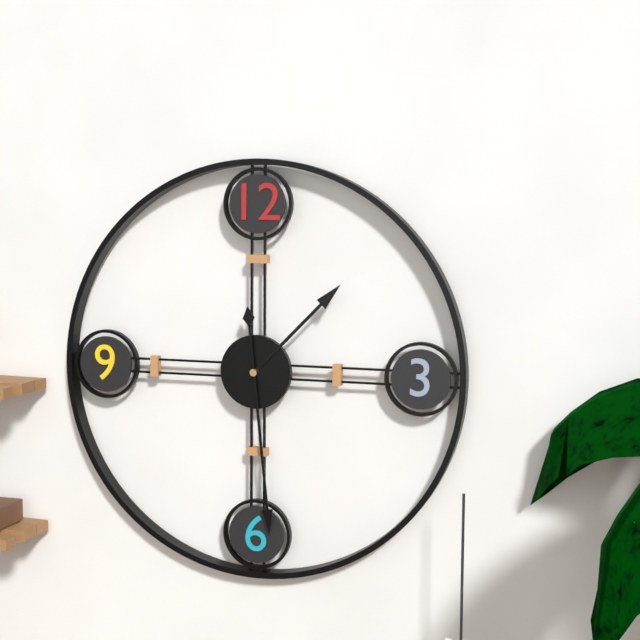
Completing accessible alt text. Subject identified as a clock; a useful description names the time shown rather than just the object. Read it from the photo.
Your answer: 1:29
